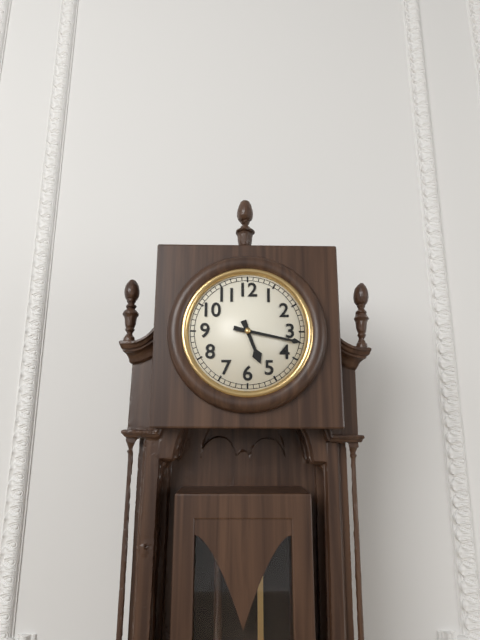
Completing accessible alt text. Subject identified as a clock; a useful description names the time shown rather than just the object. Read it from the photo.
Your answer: 5:17
